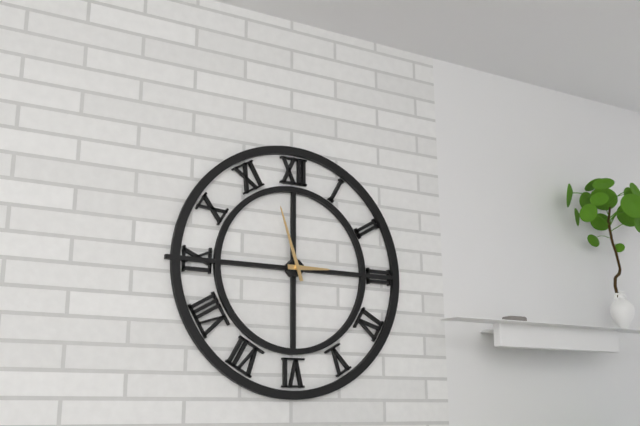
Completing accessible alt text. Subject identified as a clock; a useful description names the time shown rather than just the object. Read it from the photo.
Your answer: 2:57
